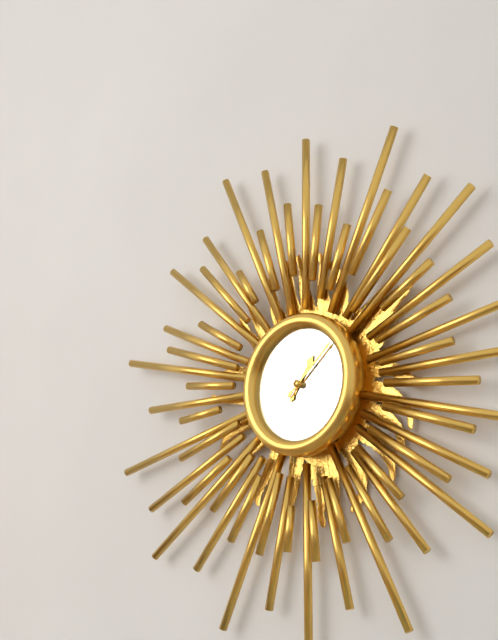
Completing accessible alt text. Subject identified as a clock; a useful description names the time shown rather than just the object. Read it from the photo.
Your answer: 1:08
